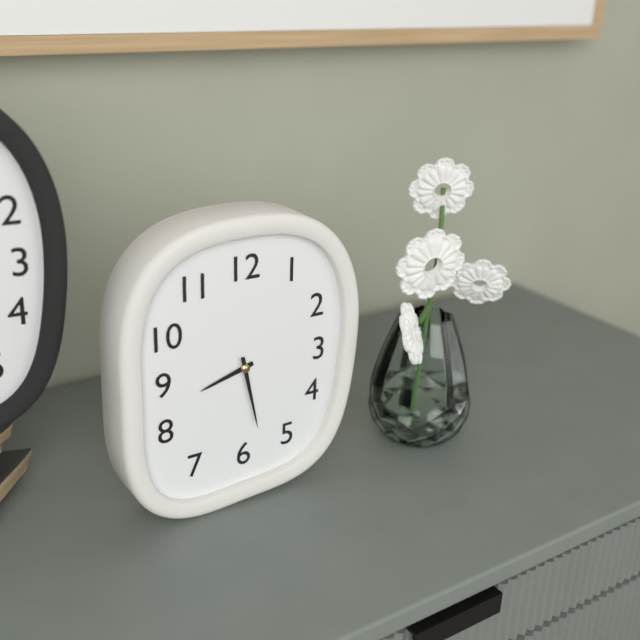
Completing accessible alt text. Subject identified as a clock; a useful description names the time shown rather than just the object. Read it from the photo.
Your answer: 8:28
